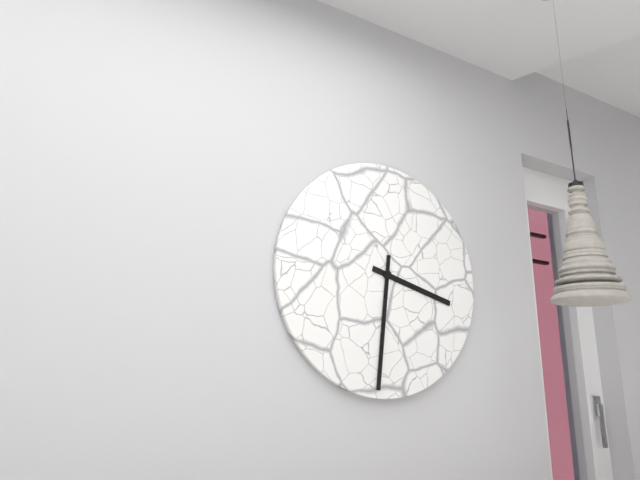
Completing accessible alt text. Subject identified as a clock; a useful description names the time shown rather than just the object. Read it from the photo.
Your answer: 3:31
